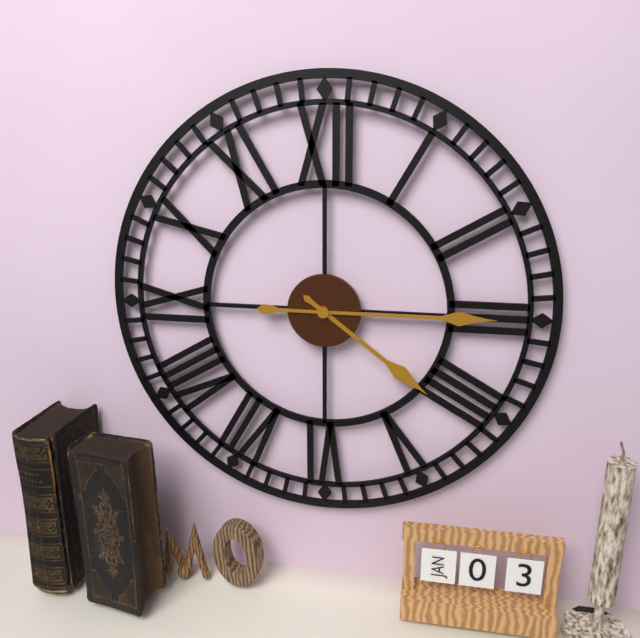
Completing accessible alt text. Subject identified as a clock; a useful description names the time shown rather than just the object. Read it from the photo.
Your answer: 4:15
